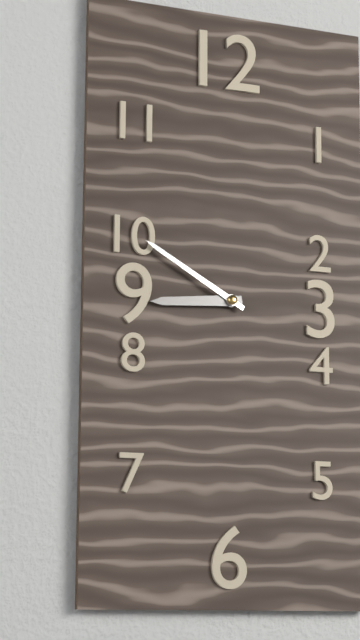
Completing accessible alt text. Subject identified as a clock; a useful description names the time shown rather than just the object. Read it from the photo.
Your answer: 8:50
